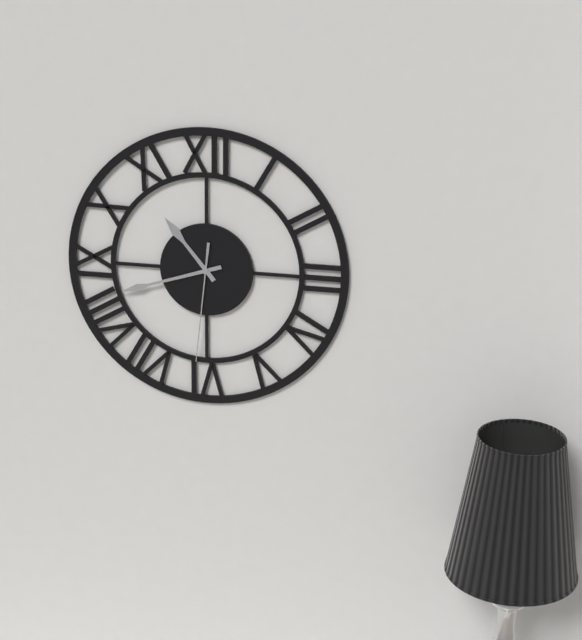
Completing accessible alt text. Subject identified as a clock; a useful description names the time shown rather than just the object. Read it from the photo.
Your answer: 10:42:31
